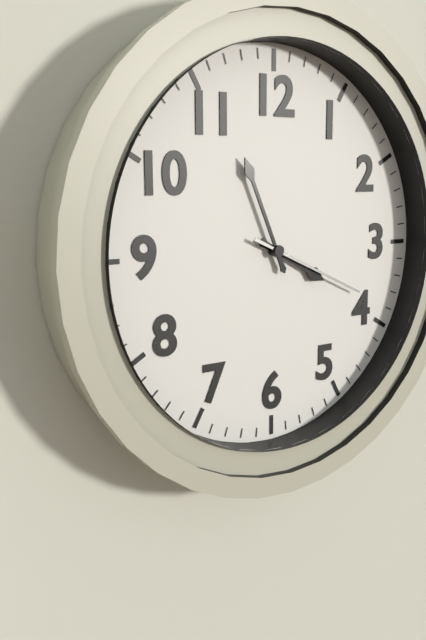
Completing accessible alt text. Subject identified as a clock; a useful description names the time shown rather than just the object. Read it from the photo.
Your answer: 3:56:19
